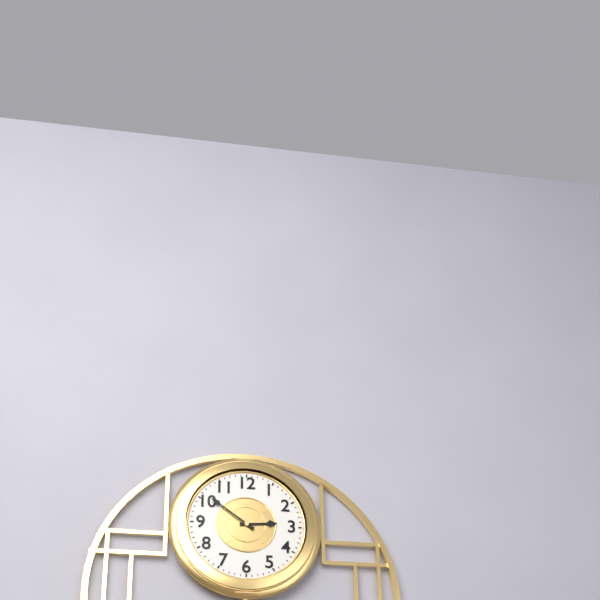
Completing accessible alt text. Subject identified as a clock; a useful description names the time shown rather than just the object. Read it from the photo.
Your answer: 2:51
